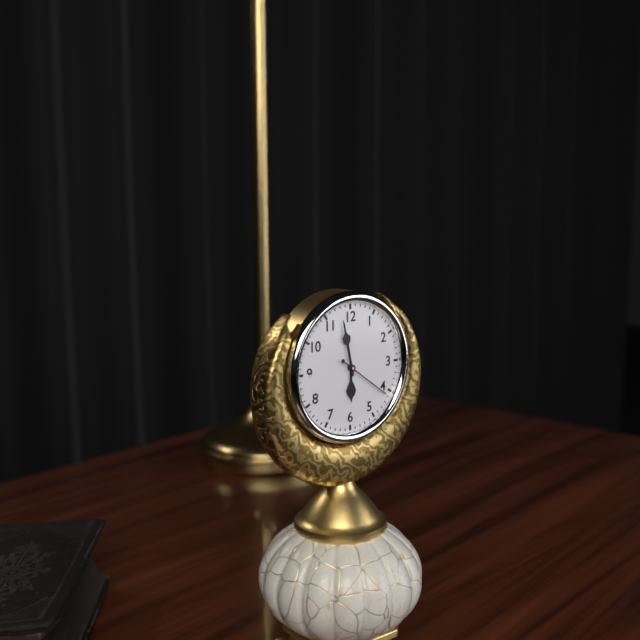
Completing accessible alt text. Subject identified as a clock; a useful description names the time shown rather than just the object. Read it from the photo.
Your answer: 5:58:21
